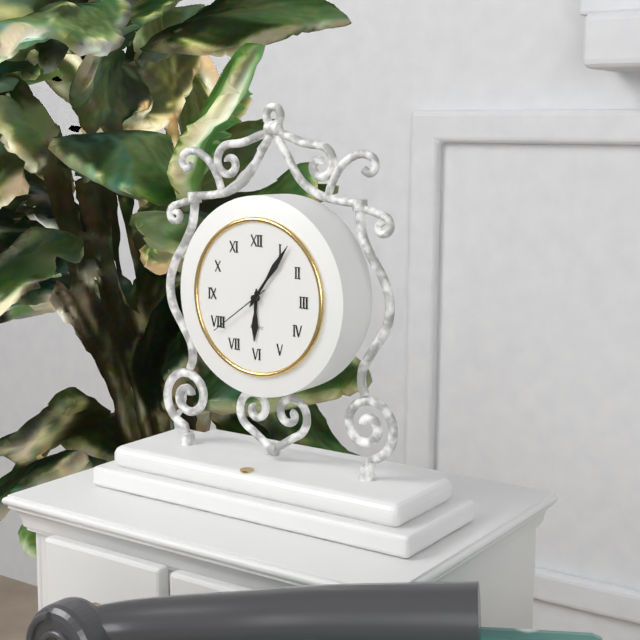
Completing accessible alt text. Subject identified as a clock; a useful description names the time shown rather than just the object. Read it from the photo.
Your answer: 6:06:39
